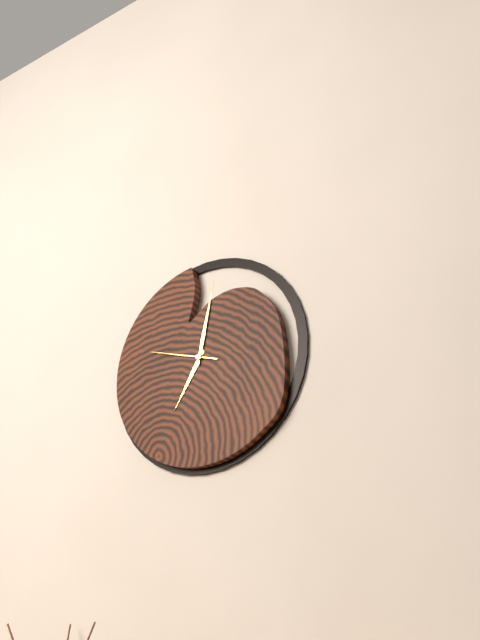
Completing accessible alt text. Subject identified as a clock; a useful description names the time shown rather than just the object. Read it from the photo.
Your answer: 7:02:48
